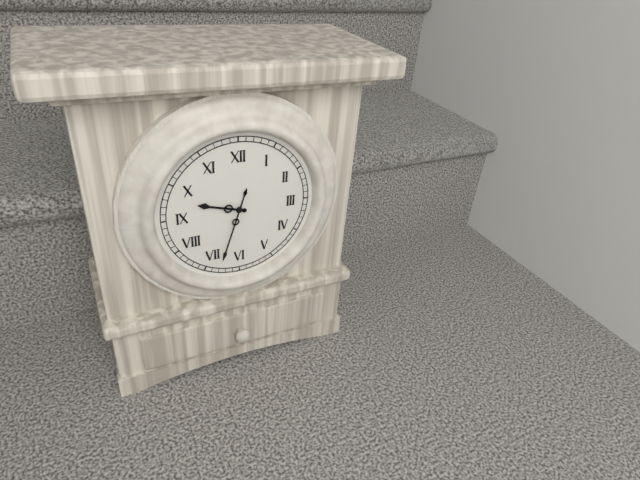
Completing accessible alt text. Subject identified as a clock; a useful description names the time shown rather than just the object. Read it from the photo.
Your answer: 9:33
